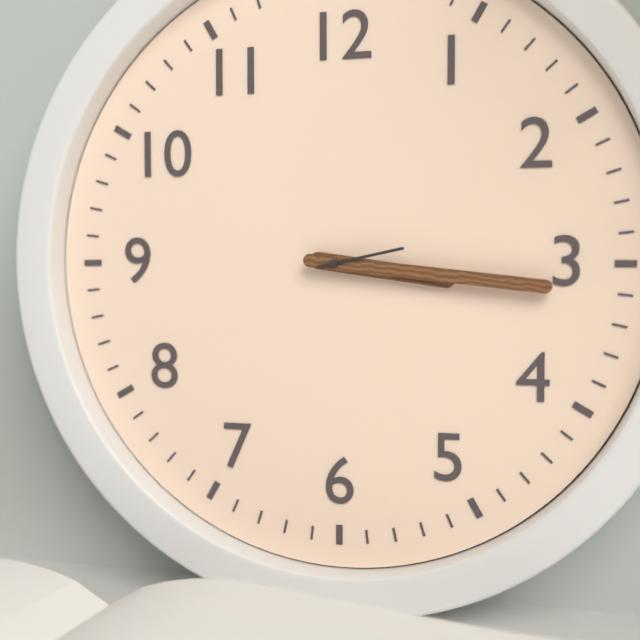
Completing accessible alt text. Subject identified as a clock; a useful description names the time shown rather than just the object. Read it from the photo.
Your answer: 3:16:13
